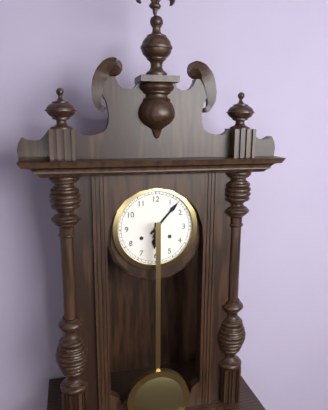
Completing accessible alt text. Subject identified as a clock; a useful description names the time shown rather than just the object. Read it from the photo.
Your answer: 6:07
